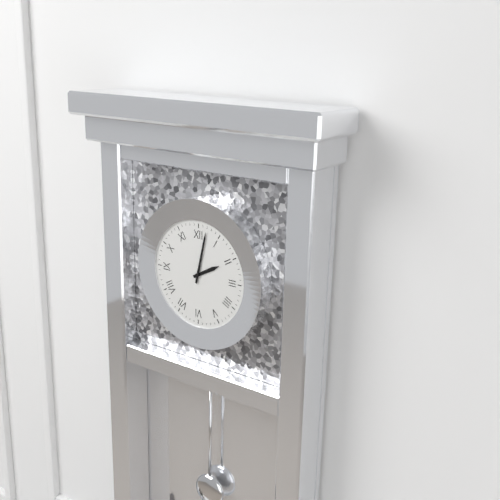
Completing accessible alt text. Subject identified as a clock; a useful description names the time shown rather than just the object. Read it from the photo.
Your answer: 2:02
